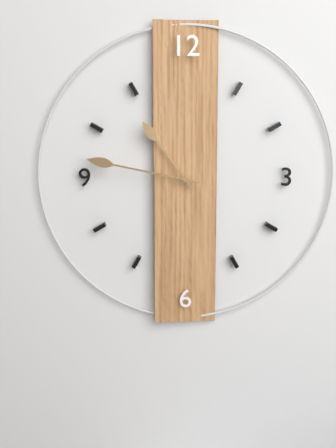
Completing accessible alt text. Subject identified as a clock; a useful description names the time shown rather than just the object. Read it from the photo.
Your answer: 10:47
